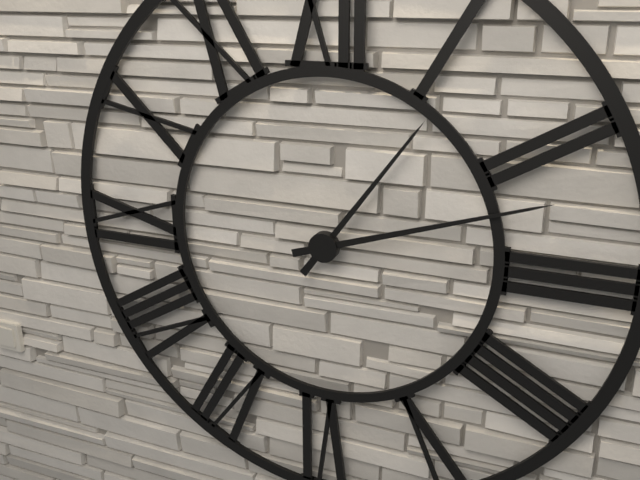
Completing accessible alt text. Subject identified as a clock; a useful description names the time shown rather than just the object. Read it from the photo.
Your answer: 1:12
